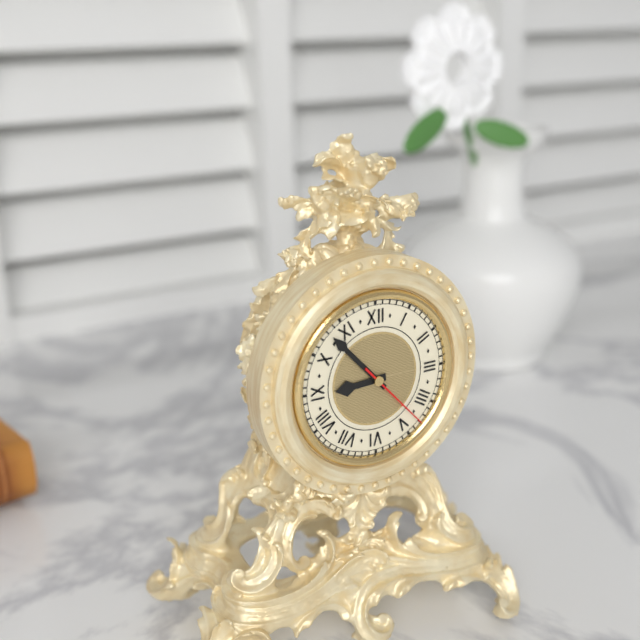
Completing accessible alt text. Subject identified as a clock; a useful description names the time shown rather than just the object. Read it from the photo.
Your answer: 8:53:23
